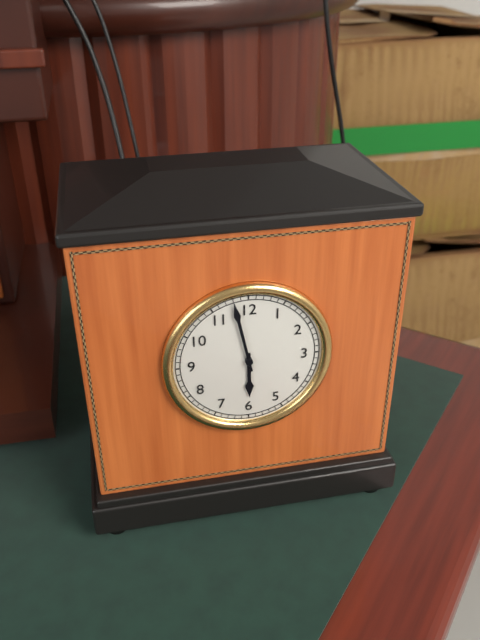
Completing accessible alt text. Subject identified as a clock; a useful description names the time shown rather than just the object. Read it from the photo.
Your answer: 5:58
